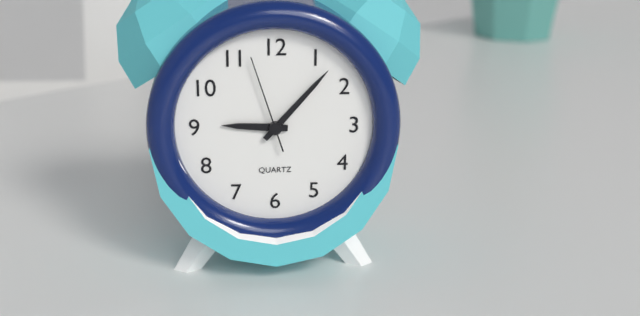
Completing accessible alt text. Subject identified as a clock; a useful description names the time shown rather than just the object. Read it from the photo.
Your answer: 9:07:57
